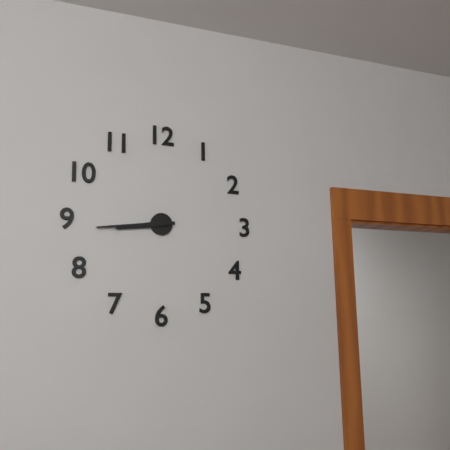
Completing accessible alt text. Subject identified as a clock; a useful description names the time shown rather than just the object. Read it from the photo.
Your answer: 8:44
